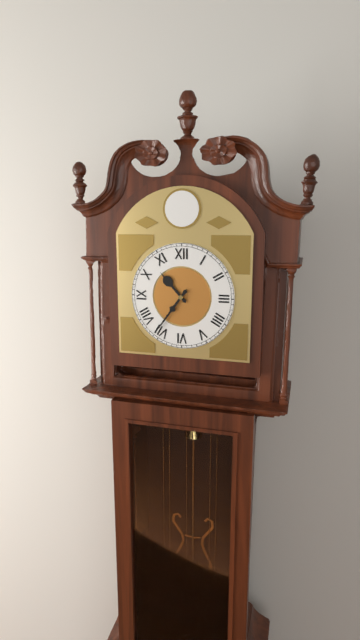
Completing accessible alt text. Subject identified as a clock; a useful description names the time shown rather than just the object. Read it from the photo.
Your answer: 10:36
